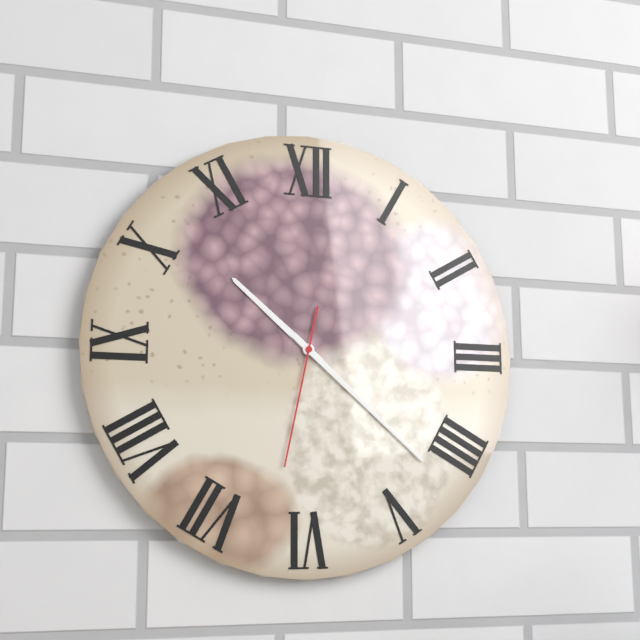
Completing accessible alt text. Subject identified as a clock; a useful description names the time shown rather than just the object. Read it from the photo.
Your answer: 10:22:32
